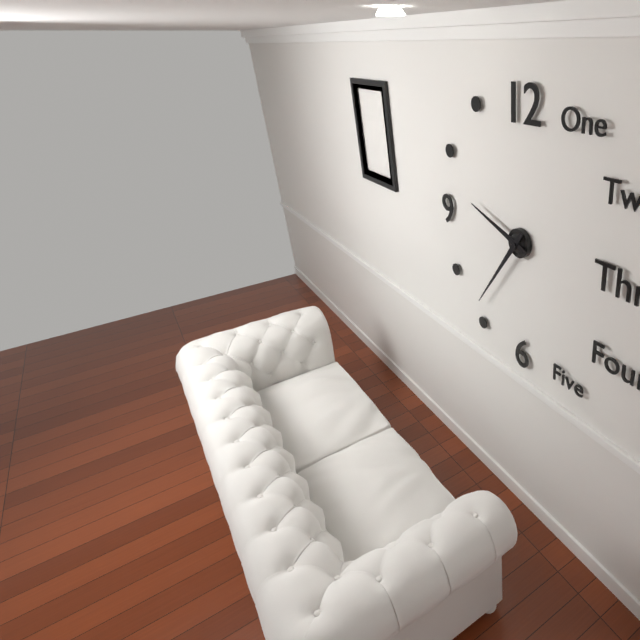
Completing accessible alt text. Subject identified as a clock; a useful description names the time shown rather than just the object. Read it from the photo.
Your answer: 9:36
